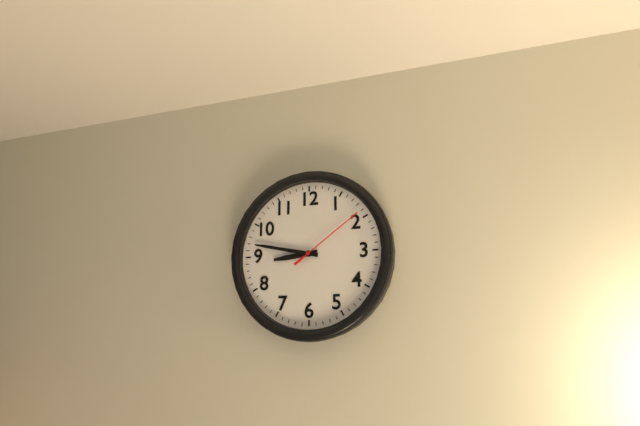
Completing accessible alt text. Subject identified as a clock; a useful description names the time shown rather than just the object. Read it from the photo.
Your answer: 8:47:09
